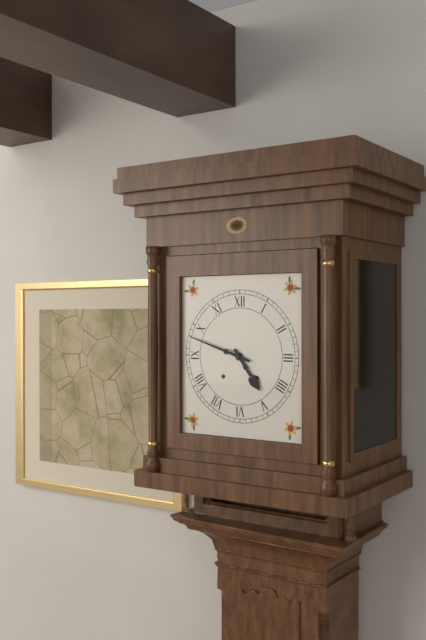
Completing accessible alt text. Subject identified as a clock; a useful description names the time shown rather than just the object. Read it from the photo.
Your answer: 4:48
